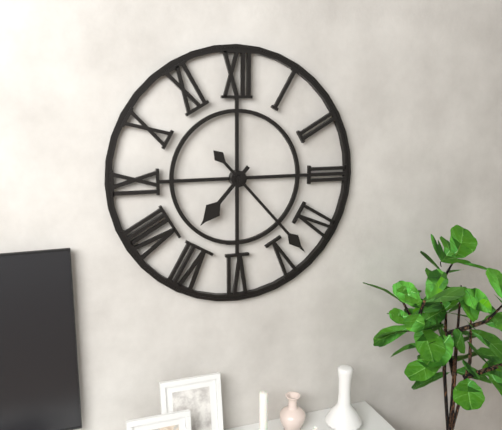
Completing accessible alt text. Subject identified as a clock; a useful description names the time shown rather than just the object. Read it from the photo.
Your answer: 7:23
